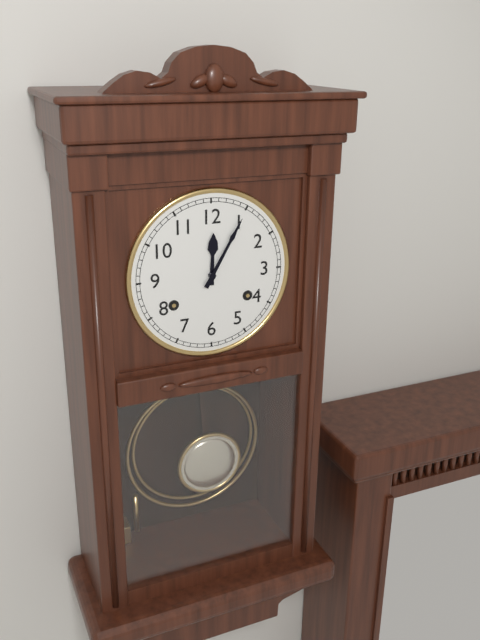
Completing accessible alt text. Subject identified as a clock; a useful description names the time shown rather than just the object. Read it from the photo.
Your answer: 12:05
